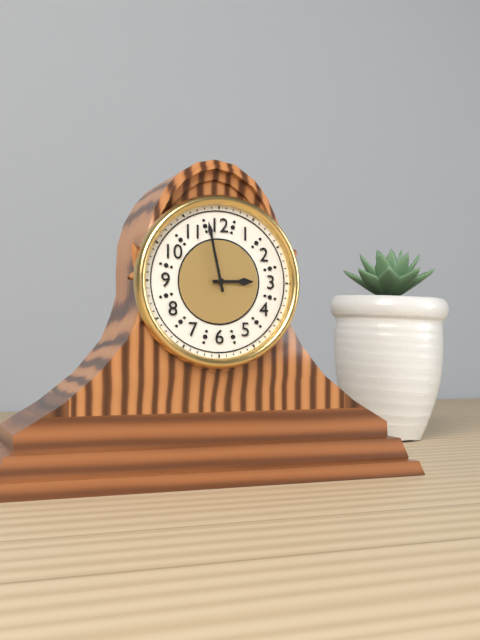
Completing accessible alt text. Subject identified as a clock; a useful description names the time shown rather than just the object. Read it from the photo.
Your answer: 2:58
